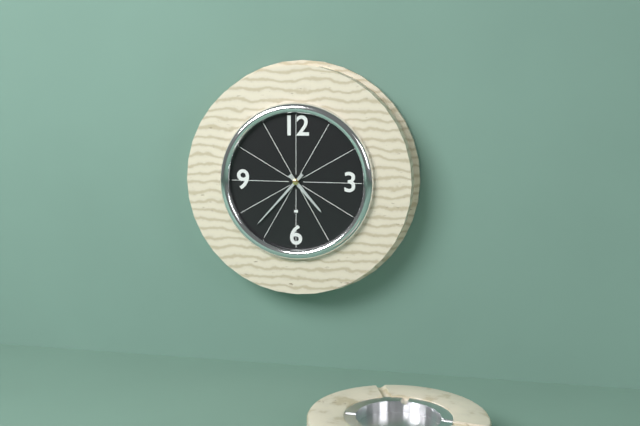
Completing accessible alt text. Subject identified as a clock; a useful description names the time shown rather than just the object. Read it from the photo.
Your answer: 4:37
